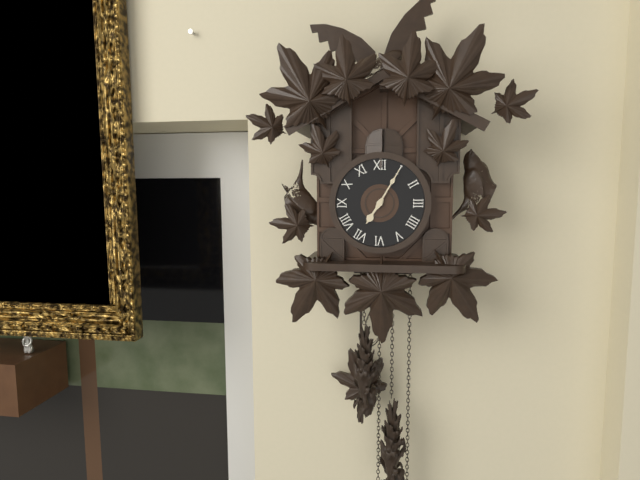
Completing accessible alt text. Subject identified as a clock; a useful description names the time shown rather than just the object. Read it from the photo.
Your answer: 7:05
